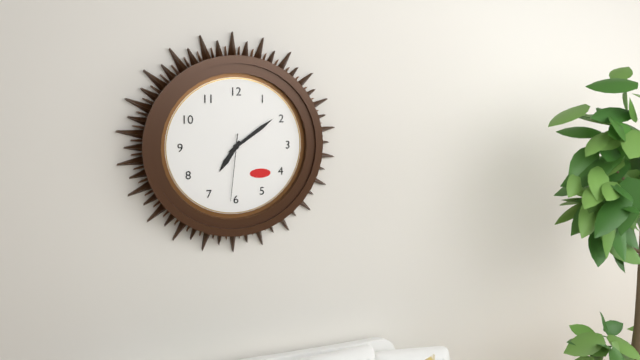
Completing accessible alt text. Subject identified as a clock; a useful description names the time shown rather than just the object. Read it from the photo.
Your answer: 7:09:31
